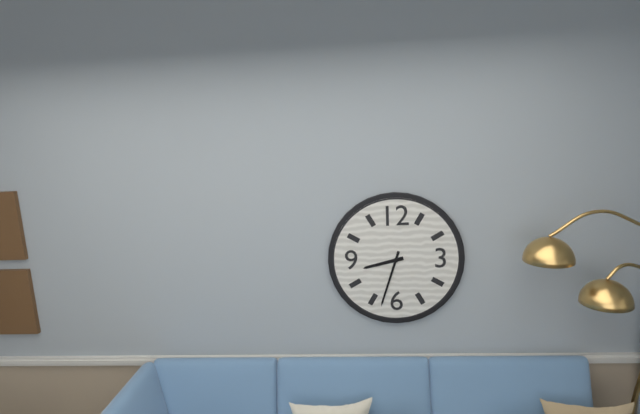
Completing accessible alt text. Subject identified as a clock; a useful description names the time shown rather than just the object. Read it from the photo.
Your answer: 8:33
